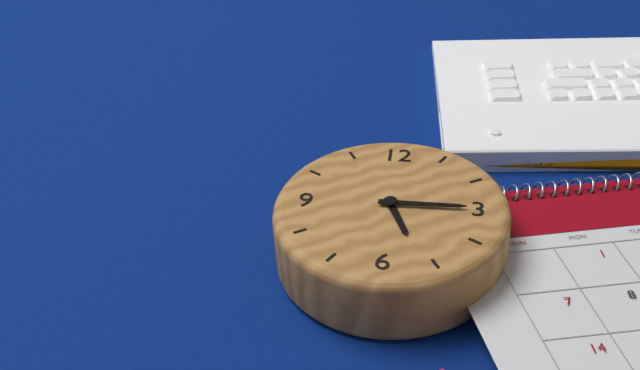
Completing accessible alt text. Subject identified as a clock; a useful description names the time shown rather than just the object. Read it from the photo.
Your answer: 5:15
